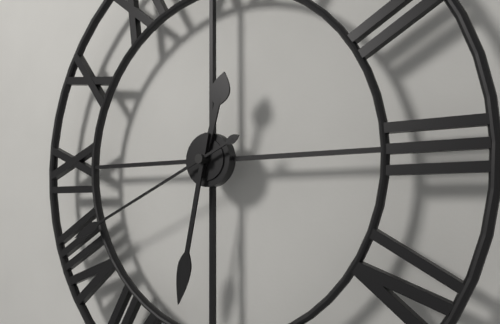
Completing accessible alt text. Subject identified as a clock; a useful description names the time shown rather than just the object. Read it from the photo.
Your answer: 12:32:41
